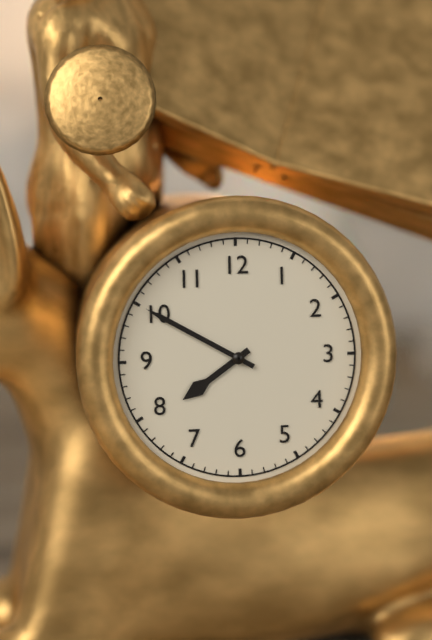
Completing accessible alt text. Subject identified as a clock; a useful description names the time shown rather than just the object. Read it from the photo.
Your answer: 7:50
